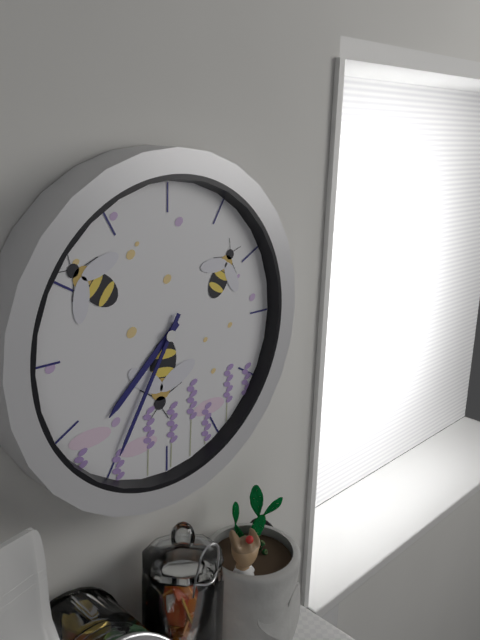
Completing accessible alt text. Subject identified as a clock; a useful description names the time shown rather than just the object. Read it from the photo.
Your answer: 7:35
